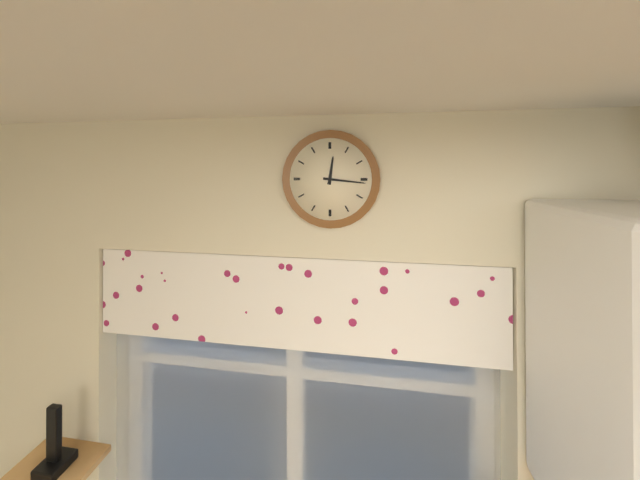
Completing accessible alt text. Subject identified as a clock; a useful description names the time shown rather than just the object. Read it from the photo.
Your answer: 12:16
